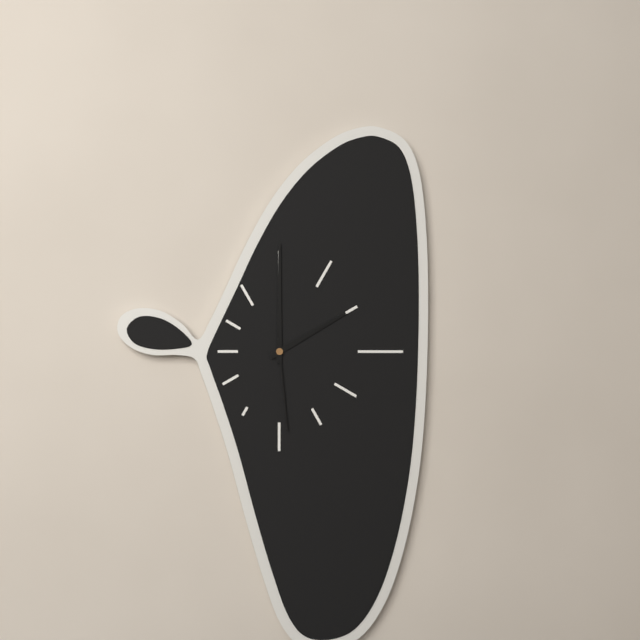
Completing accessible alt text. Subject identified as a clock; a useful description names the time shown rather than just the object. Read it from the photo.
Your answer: 2:00:29
